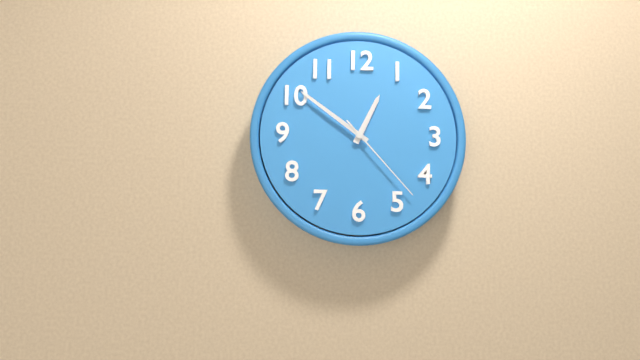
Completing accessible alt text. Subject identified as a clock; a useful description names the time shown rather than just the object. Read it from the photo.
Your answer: 12:51:23
